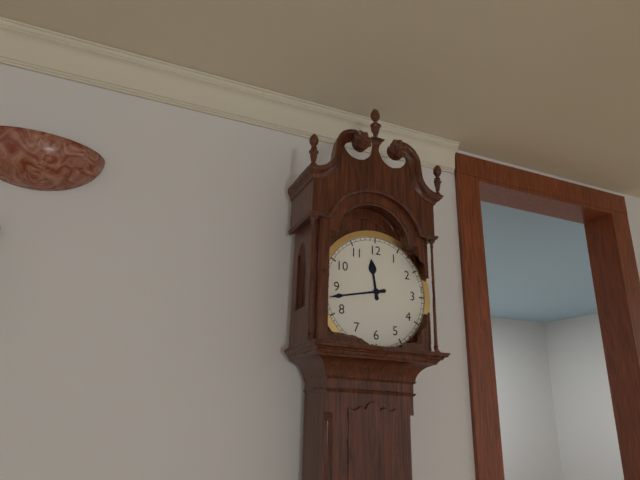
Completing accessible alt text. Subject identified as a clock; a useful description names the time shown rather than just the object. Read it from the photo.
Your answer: 11:43
